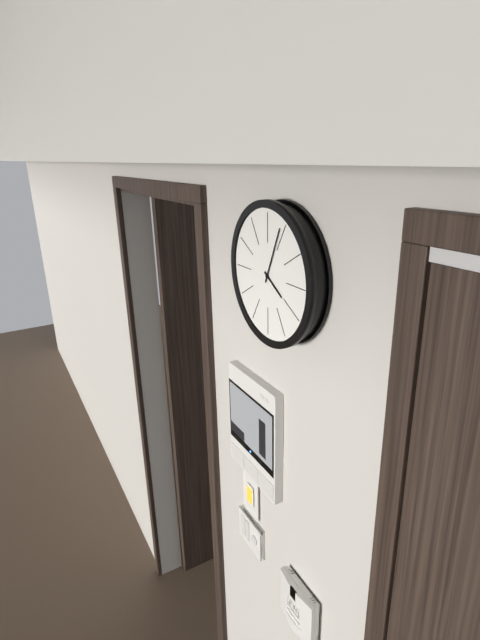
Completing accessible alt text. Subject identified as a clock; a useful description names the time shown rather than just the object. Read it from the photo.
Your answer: 4:04
